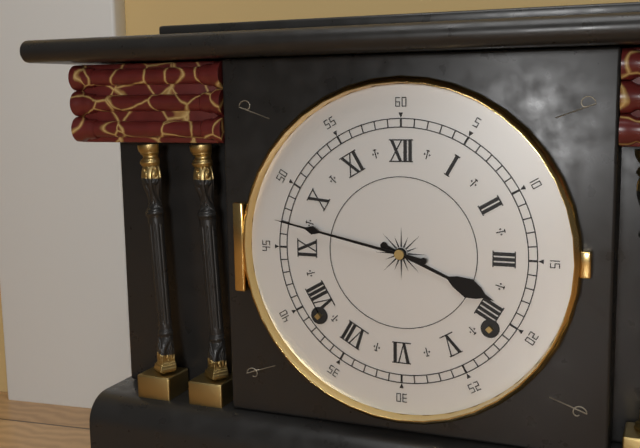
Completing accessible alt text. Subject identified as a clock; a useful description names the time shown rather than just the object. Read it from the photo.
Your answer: 3:47
